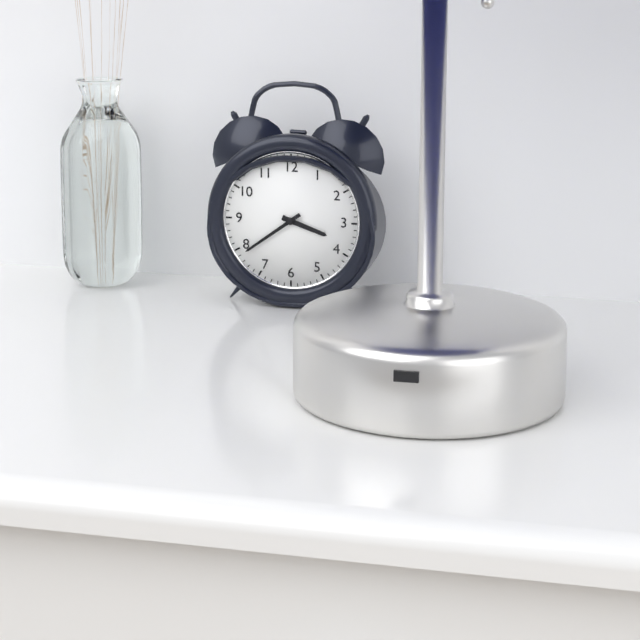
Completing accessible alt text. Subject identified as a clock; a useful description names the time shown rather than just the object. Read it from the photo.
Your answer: 3:39
